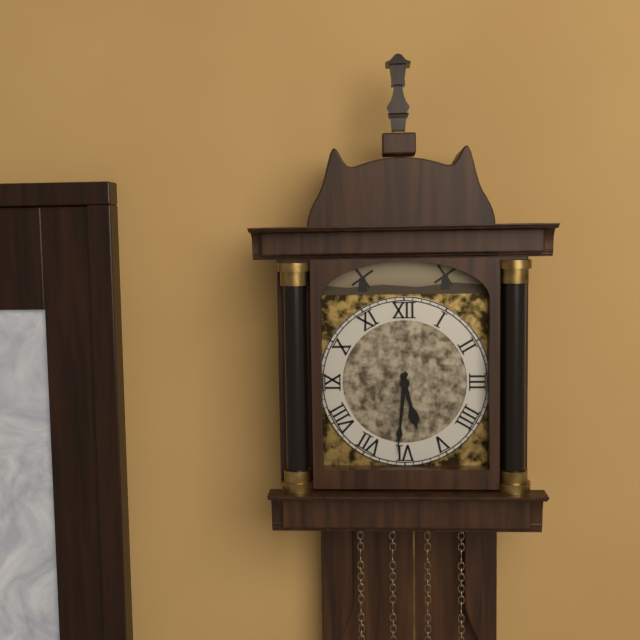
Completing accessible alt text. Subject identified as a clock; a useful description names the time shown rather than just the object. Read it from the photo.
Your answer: 5:31
